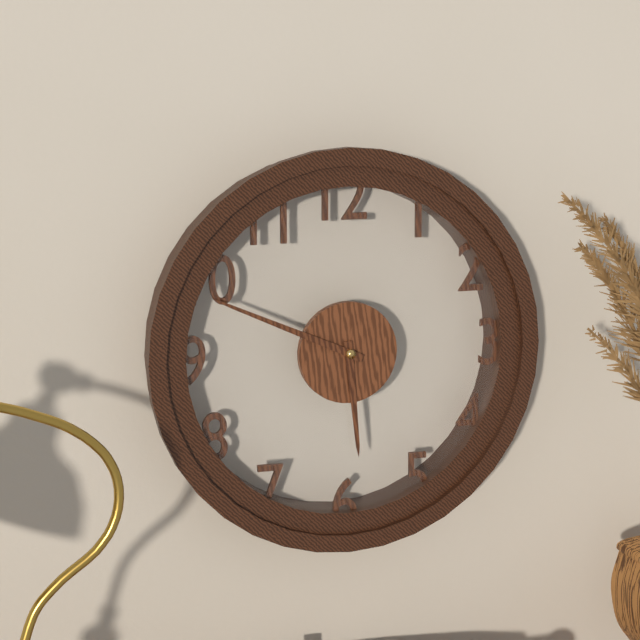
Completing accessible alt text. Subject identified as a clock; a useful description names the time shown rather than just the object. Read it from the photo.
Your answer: 5:49
